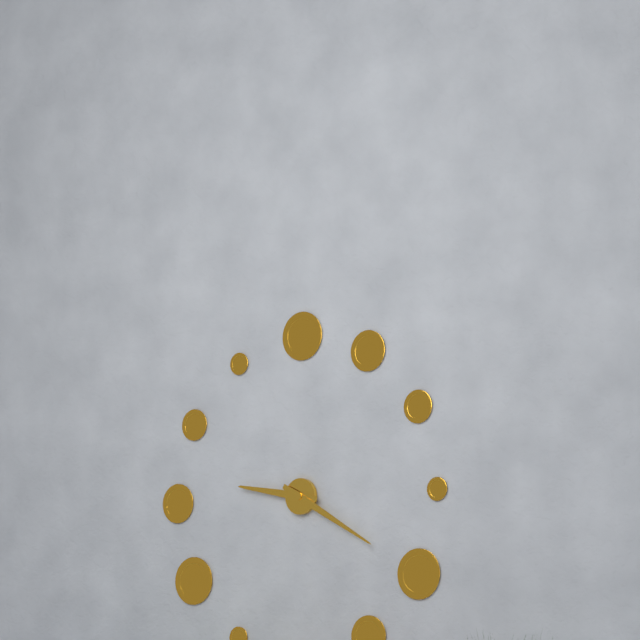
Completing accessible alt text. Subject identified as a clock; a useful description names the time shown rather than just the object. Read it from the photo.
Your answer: 9:20
